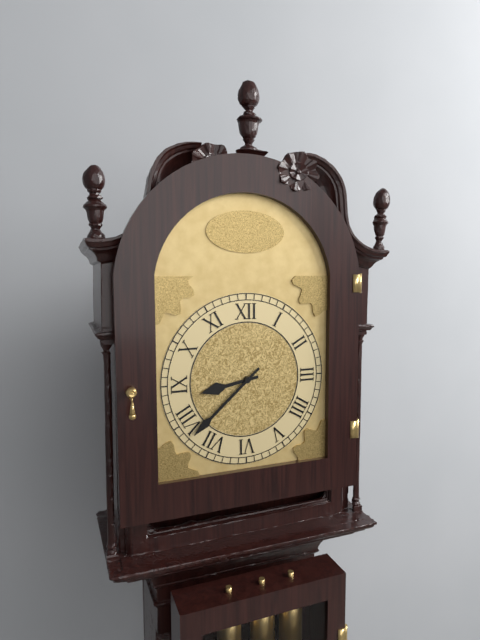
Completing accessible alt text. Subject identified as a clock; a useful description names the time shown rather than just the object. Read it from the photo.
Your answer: 8:38
